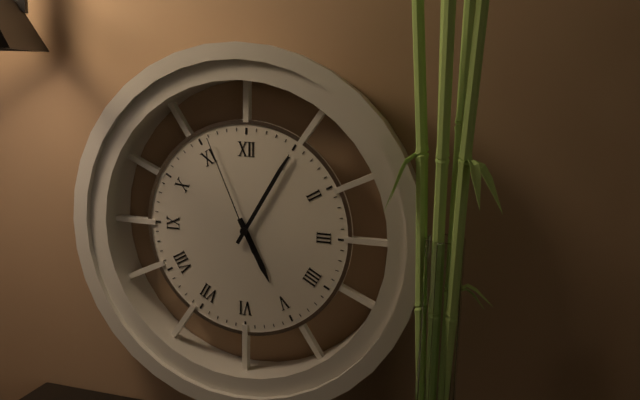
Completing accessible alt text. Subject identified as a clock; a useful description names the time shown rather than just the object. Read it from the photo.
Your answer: 5:05:56
